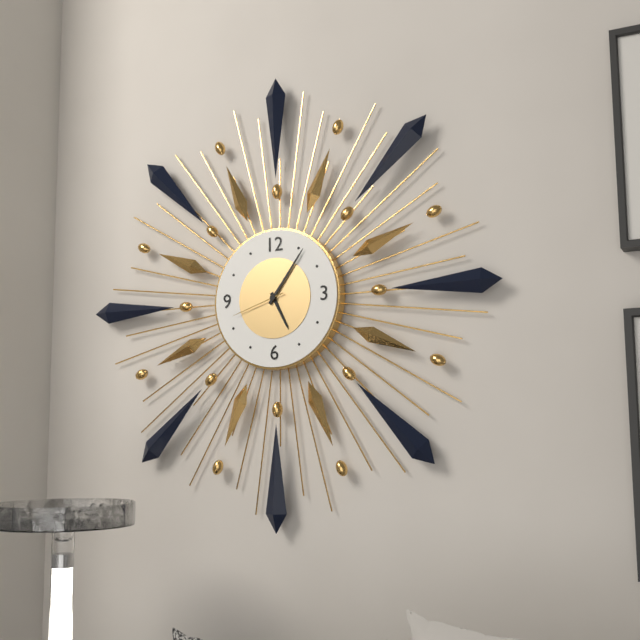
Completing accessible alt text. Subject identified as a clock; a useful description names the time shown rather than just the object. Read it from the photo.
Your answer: 5:06:42
